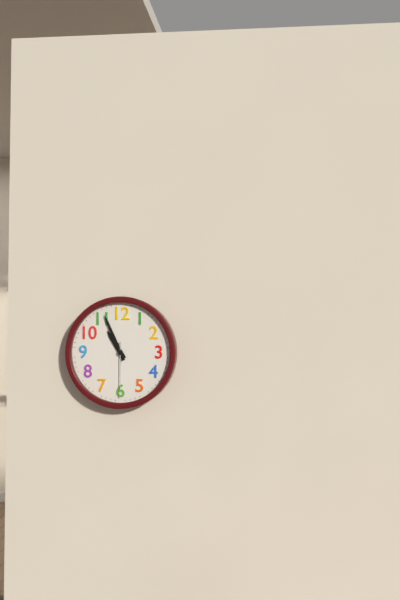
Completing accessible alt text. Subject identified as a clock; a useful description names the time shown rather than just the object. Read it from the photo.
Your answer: 10:56:30
